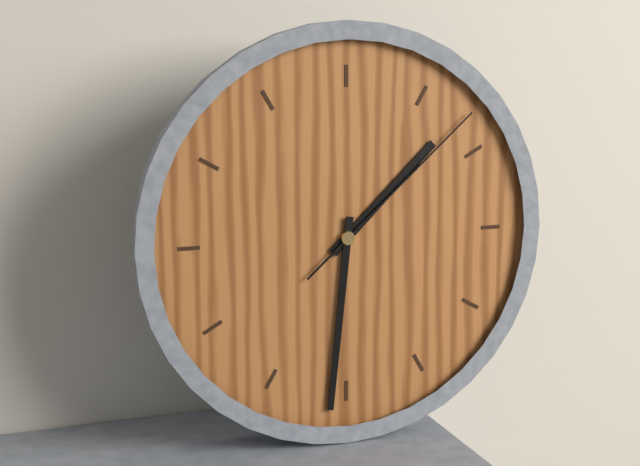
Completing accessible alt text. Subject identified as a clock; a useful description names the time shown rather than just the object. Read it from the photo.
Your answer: 1:31:08
